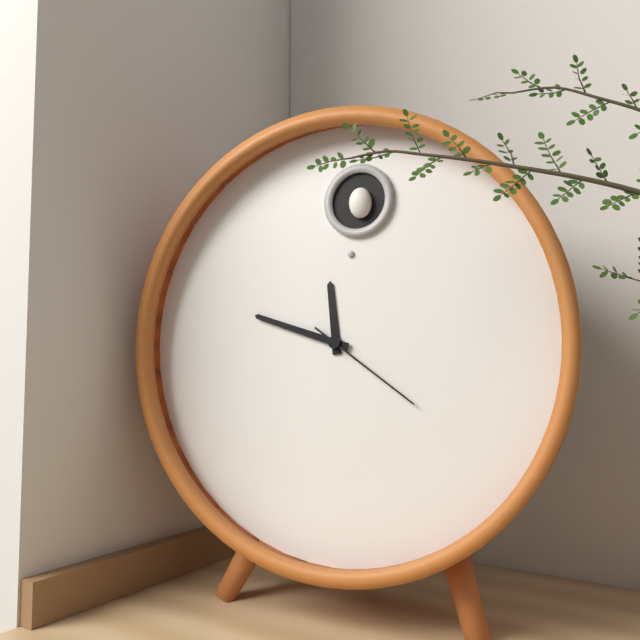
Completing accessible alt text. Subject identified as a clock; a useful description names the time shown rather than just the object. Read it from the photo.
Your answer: 11:48:21
